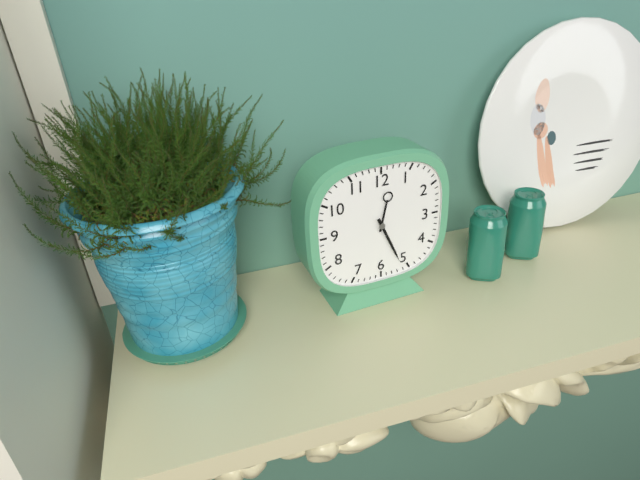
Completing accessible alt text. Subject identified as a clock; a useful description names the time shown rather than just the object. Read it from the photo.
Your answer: 12:26
